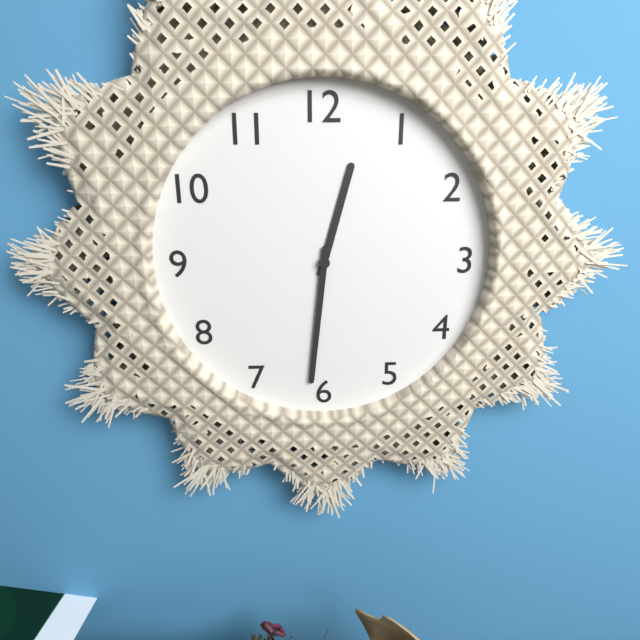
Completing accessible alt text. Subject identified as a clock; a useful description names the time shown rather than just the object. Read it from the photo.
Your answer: 12:31
